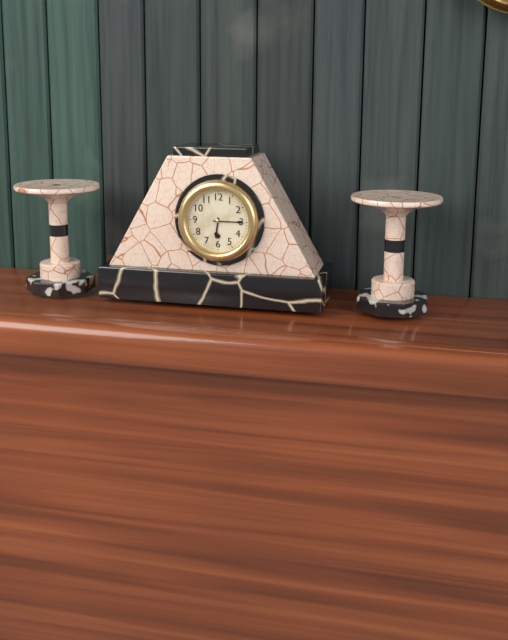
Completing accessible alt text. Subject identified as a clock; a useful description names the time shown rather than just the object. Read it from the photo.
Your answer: 6:15
